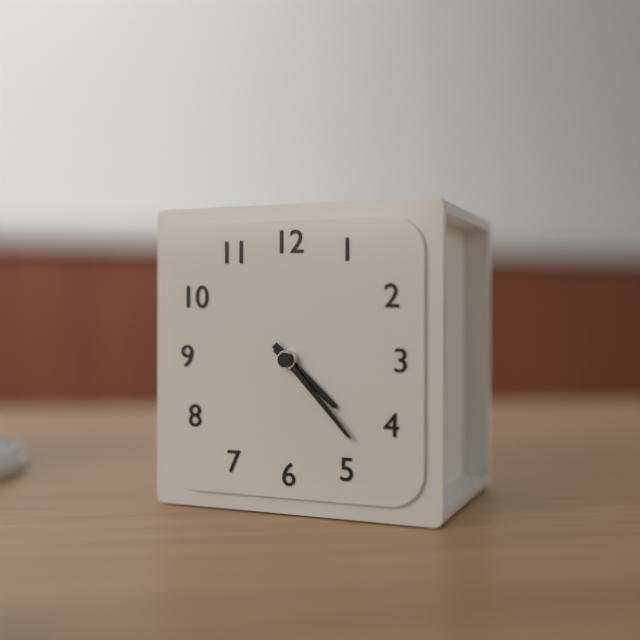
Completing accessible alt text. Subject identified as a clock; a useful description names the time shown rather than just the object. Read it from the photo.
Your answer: 4:23
